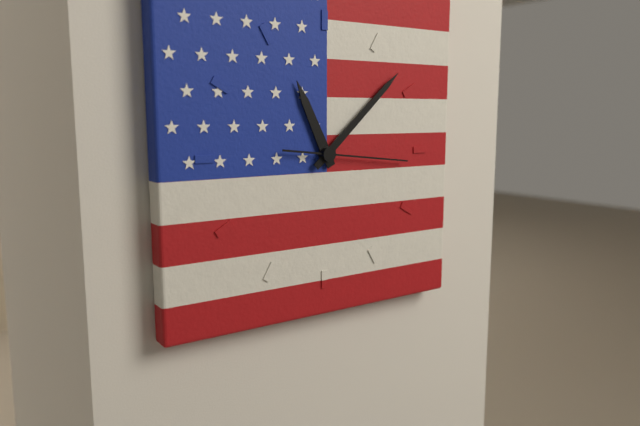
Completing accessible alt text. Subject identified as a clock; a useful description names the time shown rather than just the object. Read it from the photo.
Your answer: 11:08:16
